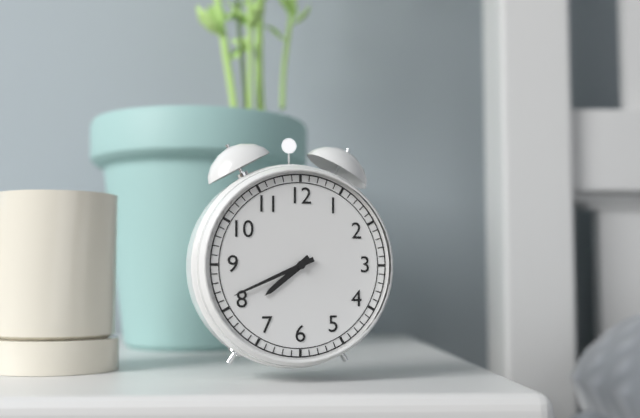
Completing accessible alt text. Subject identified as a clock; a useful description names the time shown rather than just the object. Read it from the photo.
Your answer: 7:41
